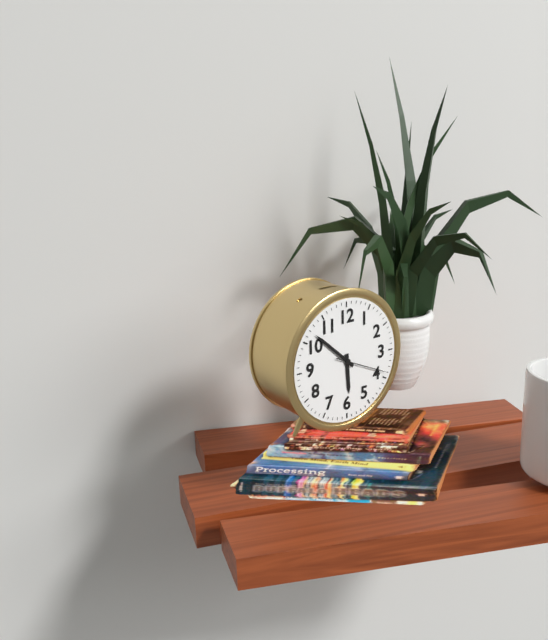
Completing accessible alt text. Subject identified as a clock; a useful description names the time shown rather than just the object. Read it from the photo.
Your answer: 5:52:19
